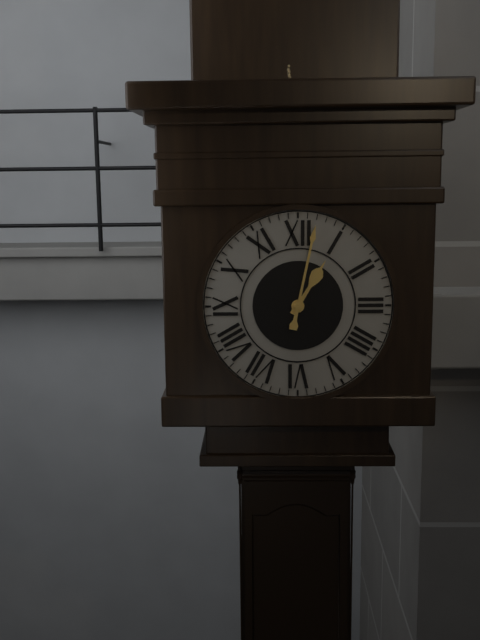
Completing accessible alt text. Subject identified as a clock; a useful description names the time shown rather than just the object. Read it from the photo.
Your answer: 1:02
